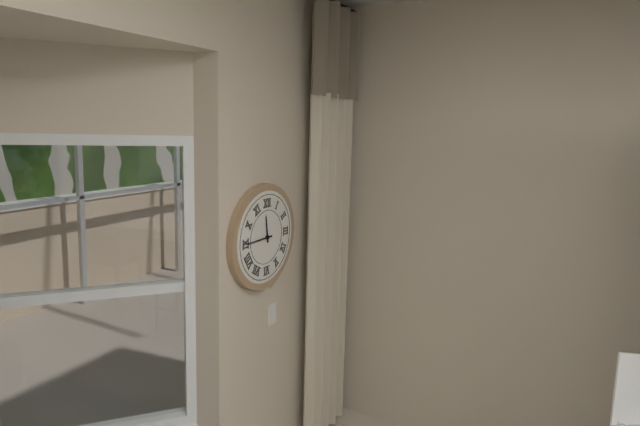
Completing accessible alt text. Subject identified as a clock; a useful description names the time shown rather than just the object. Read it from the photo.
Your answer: 11:45
